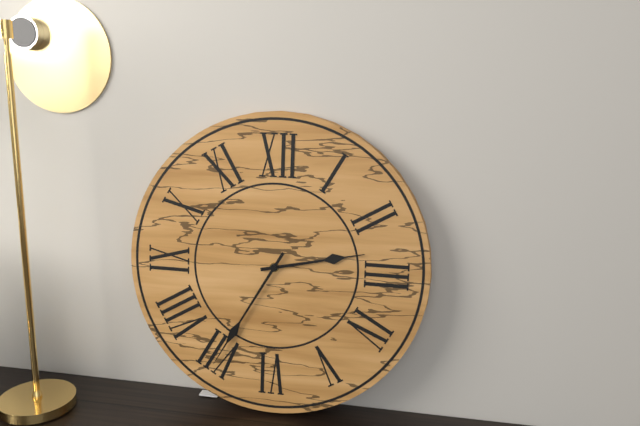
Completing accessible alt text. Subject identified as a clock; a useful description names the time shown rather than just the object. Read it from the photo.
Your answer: 2:35
